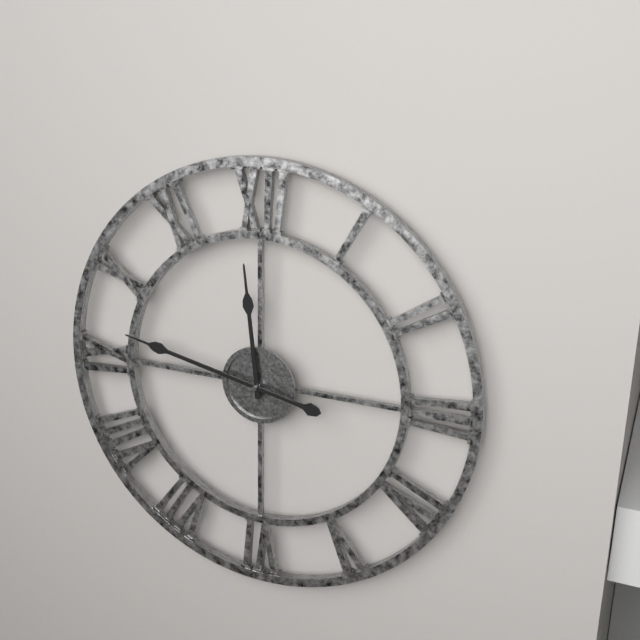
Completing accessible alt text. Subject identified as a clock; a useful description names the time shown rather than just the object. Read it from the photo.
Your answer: 11:47
